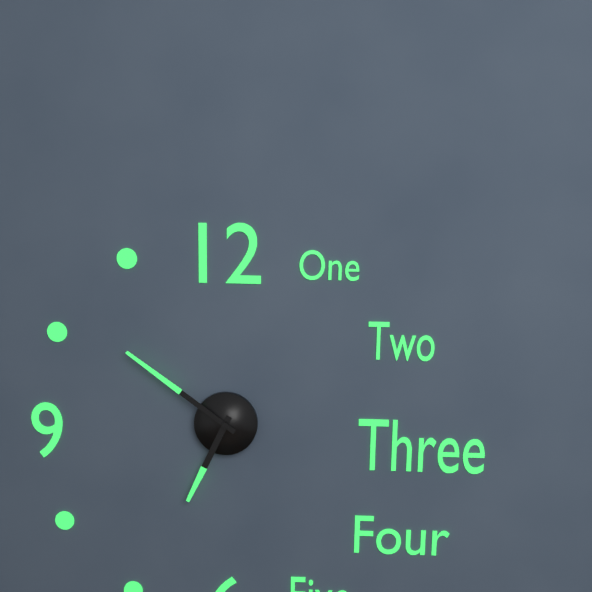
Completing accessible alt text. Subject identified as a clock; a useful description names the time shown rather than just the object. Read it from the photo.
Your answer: 6:51
